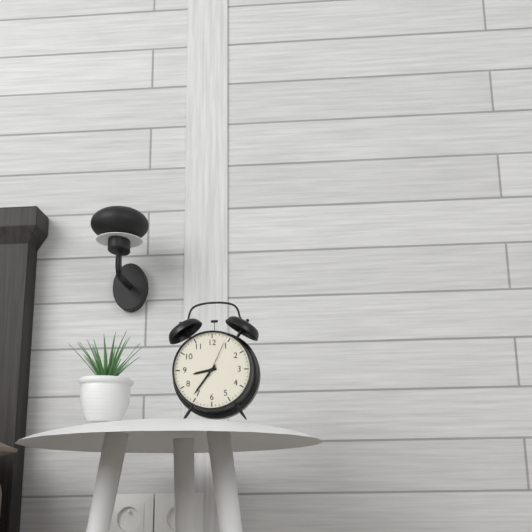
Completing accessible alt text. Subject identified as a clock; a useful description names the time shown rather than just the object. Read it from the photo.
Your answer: 8:36
